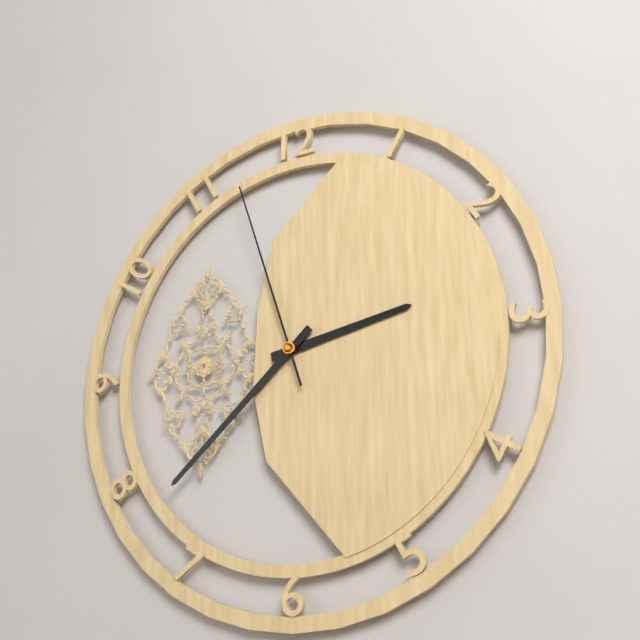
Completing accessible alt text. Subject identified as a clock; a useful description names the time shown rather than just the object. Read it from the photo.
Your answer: 2:38:57
